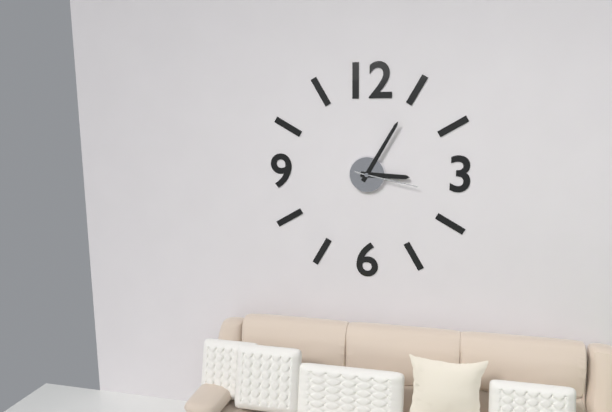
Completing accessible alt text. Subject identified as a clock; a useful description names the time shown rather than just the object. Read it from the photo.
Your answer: 3:05:17
